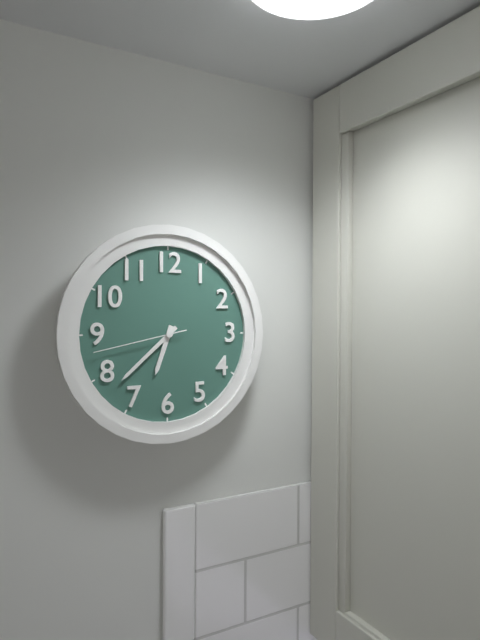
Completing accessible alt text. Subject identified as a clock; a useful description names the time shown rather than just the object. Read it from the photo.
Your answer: 6:38:43
